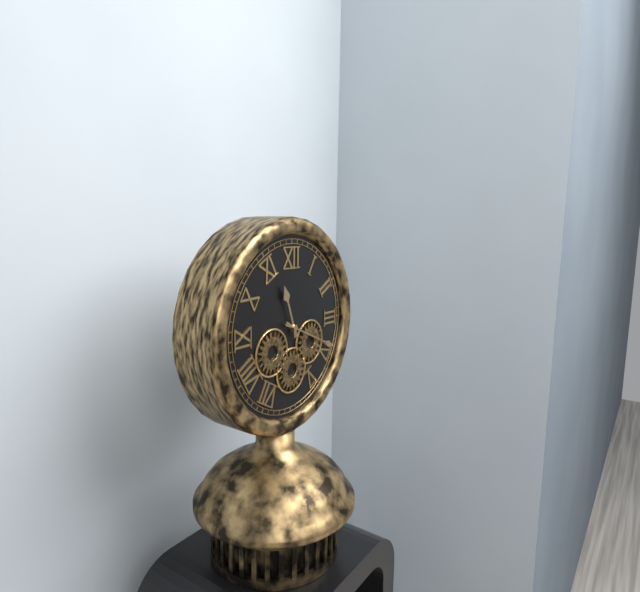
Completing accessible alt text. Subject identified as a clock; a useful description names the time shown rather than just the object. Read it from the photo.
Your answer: 11:19
